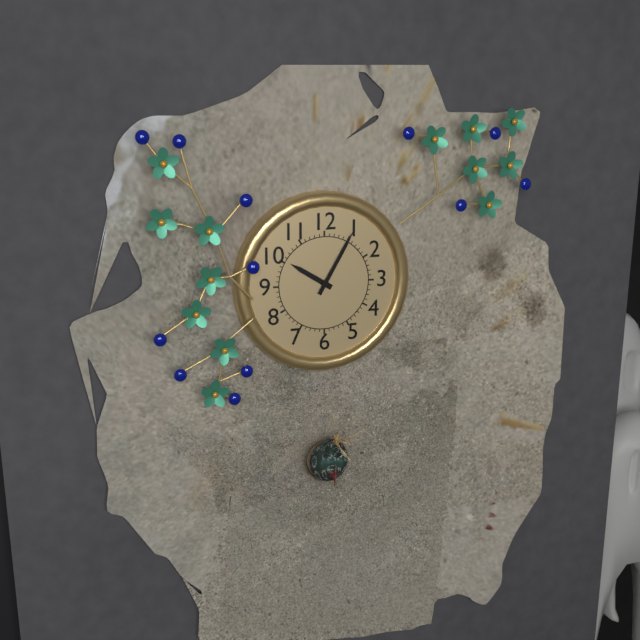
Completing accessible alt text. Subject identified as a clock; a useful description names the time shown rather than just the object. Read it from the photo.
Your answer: 10:05
